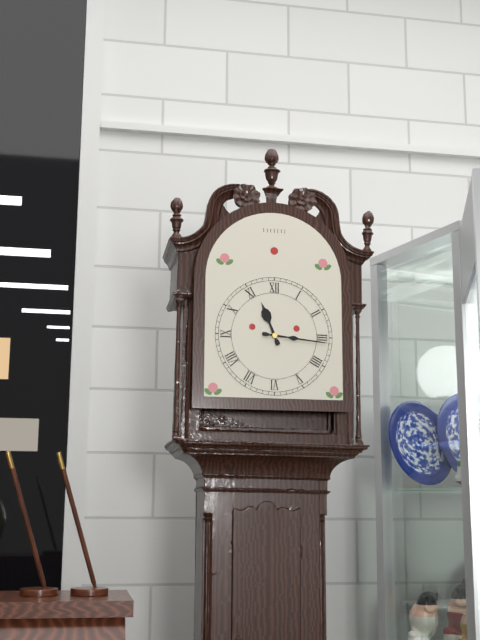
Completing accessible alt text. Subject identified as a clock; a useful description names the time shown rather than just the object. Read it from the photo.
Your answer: 11:16
